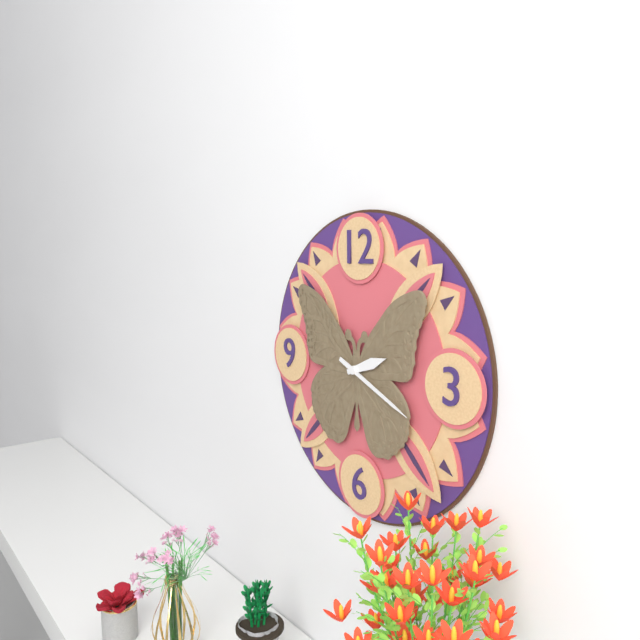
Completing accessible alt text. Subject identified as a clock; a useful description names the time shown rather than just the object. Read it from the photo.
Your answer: 2:19
